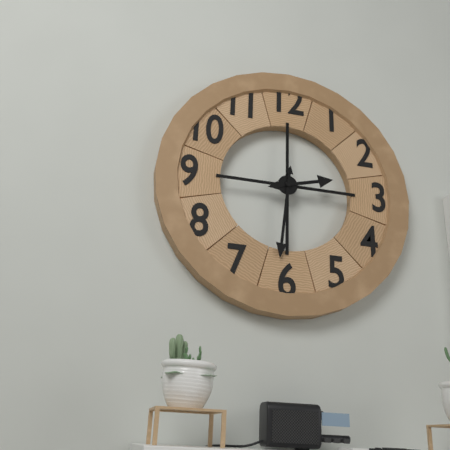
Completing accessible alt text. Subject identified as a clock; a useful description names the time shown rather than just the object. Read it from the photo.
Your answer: 2:31
